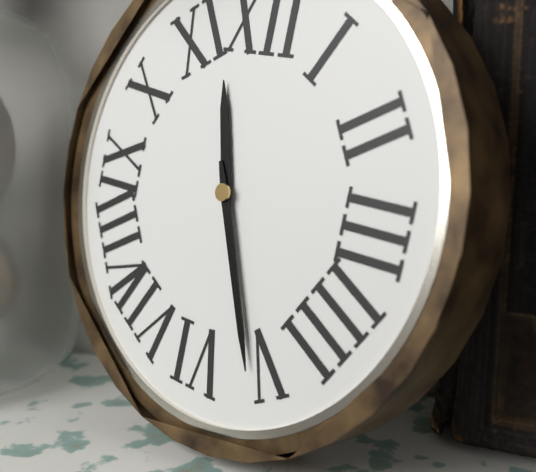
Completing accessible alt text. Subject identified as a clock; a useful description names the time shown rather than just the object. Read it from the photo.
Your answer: 11:26
